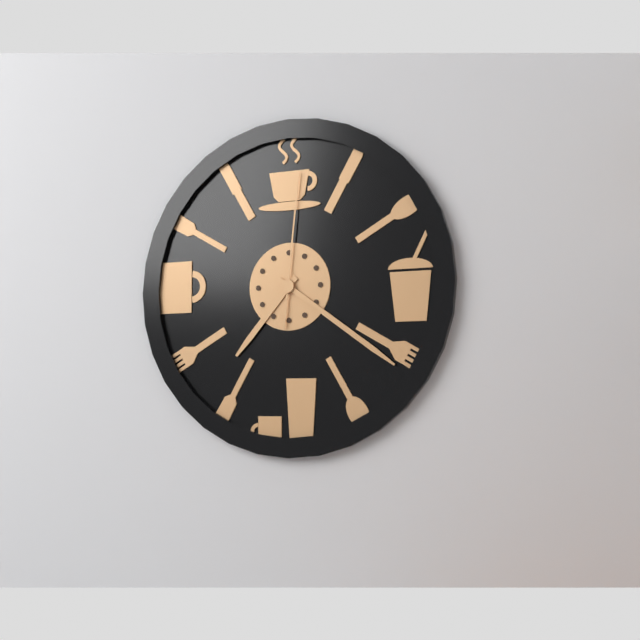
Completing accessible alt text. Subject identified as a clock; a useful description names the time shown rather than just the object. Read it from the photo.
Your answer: 7:21:01
